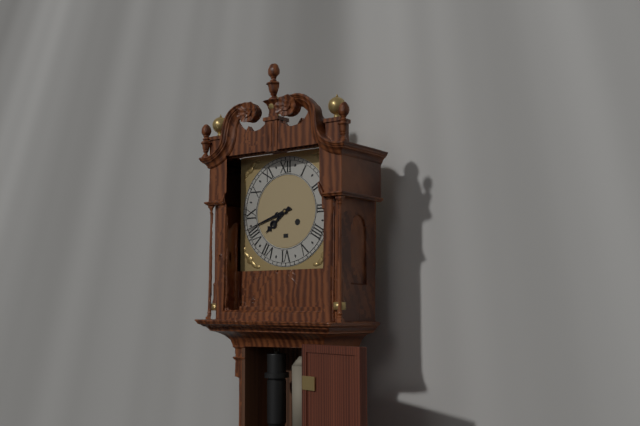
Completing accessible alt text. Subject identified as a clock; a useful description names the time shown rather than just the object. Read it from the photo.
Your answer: 7:42
